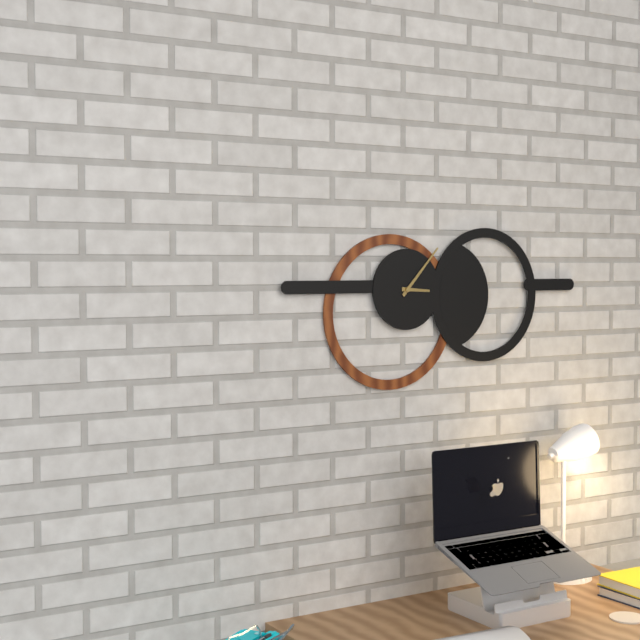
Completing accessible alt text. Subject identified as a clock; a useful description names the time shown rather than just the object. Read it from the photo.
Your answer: 3:07
